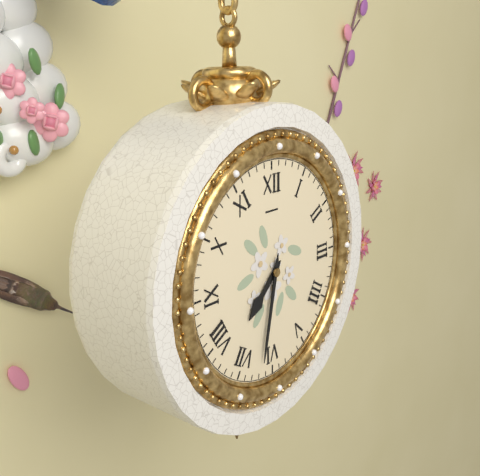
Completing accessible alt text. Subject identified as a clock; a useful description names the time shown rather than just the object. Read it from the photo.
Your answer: 7:32
